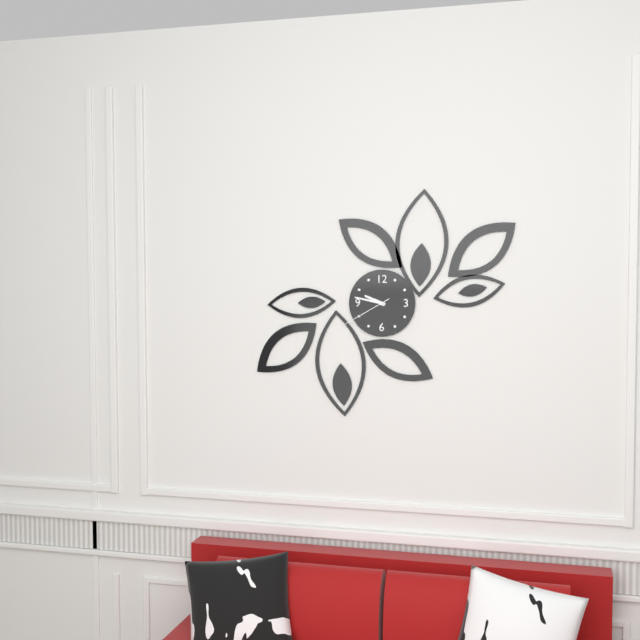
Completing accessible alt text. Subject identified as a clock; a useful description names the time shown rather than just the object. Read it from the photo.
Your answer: 9:47:40
